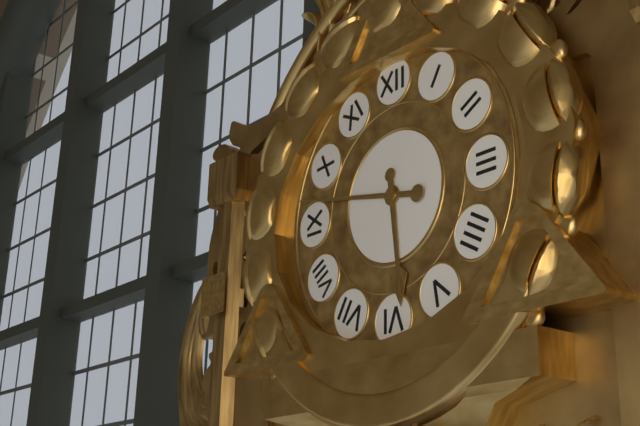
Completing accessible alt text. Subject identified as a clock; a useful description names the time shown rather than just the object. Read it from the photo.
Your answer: 5:47
